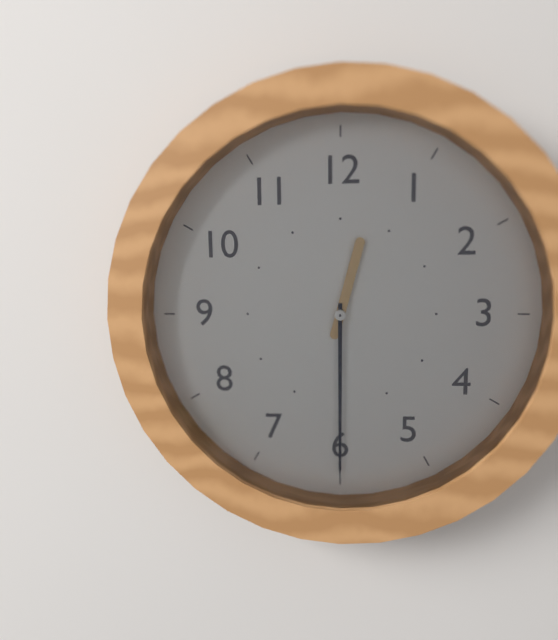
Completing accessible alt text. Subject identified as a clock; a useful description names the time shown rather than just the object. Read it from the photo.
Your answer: 12:30
